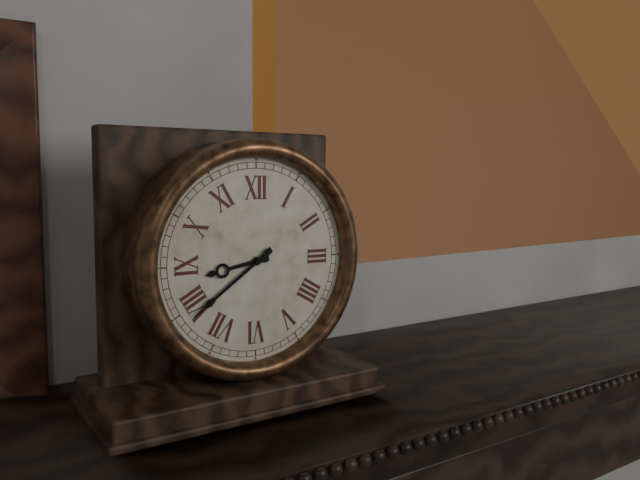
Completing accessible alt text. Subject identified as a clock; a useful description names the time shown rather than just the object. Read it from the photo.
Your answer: 8:39
